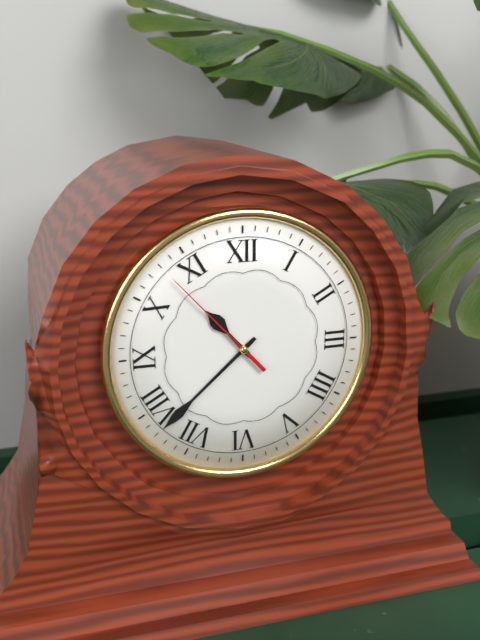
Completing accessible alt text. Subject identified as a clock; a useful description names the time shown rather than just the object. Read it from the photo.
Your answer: 10:38:53
